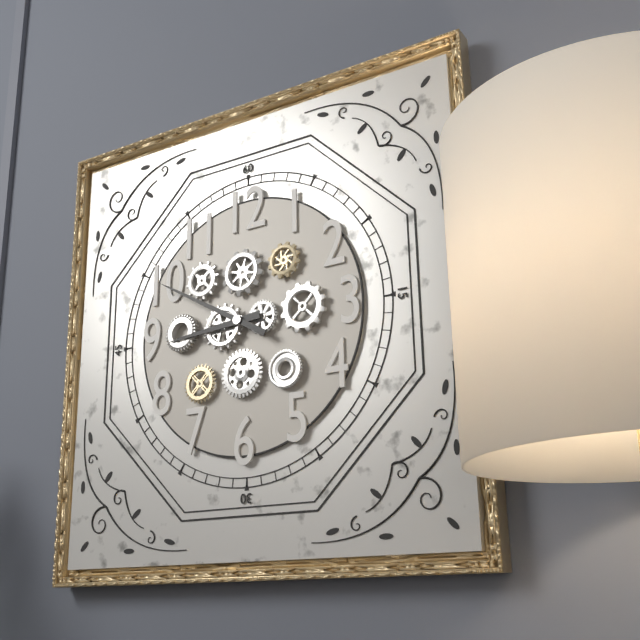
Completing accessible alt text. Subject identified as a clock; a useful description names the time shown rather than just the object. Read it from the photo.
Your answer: 8:50
